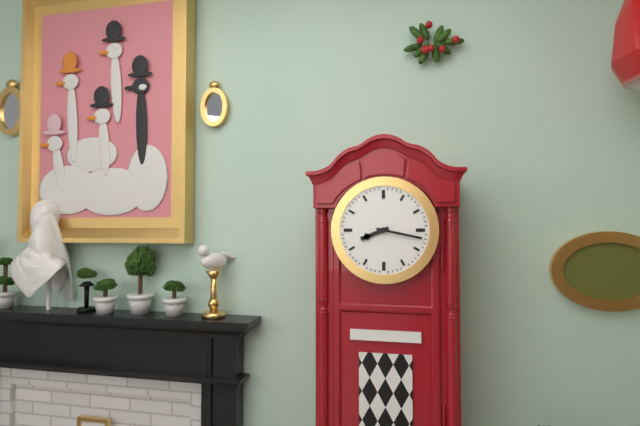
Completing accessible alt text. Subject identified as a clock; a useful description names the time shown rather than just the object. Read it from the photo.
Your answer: 8:17
